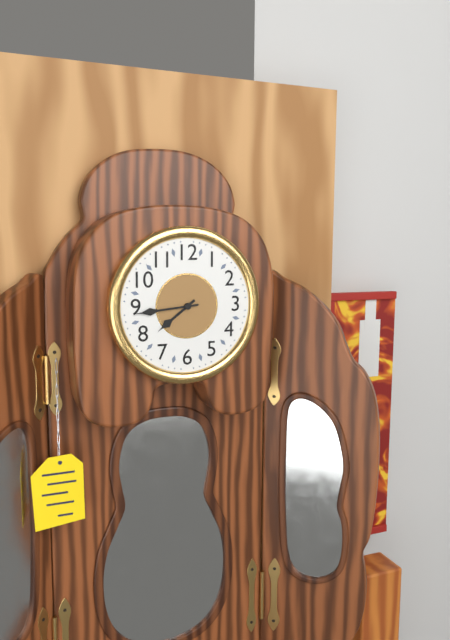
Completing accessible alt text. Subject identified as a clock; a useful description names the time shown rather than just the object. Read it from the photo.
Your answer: 7:44
